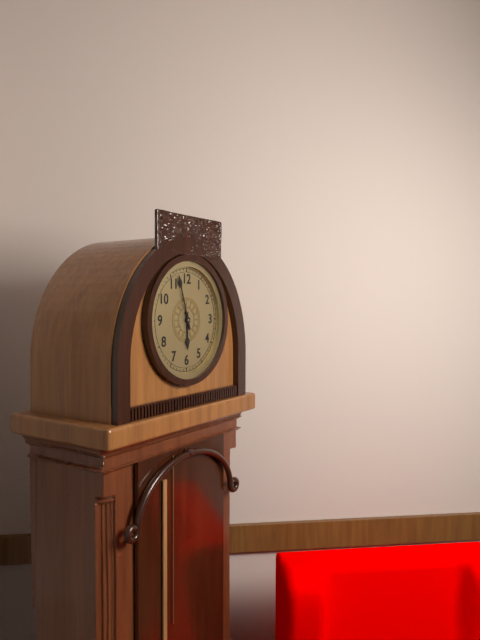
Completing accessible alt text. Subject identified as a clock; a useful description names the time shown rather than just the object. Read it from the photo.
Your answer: 5:57
